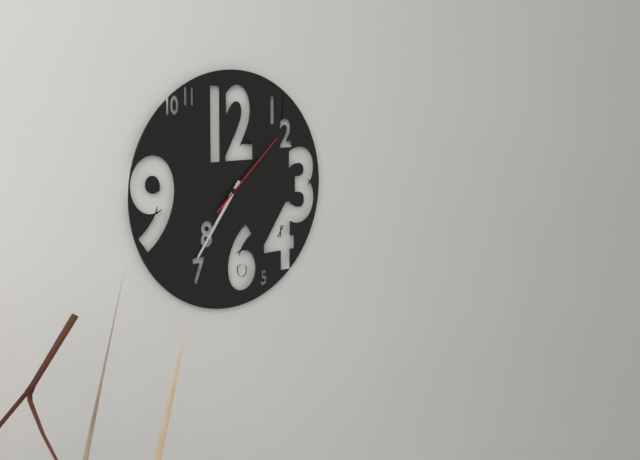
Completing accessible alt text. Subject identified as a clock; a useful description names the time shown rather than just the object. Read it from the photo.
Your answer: 1:36:08
